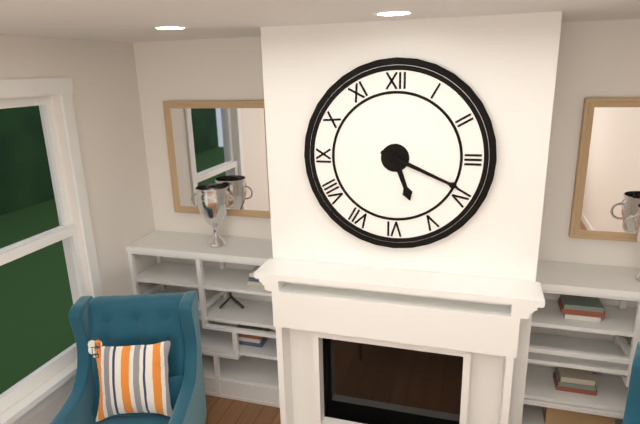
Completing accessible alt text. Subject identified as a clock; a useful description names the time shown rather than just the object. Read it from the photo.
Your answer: 5:19
